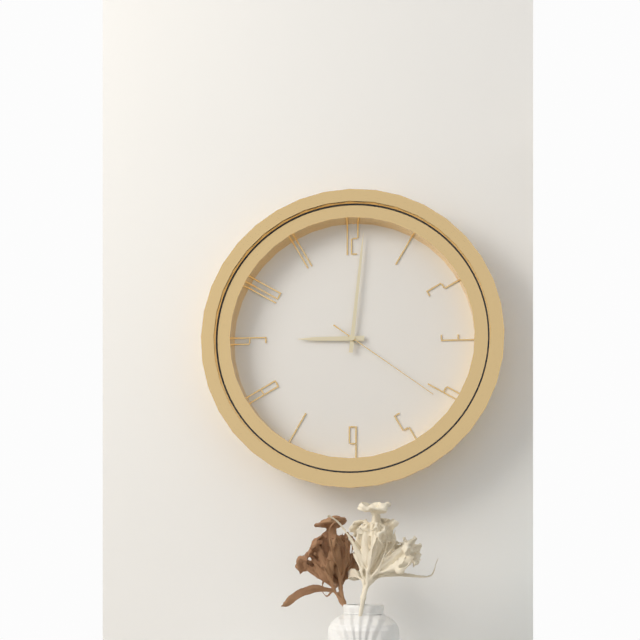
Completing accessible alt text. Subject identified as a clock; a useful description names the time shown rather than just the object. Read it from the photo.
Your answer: 9:01:21
